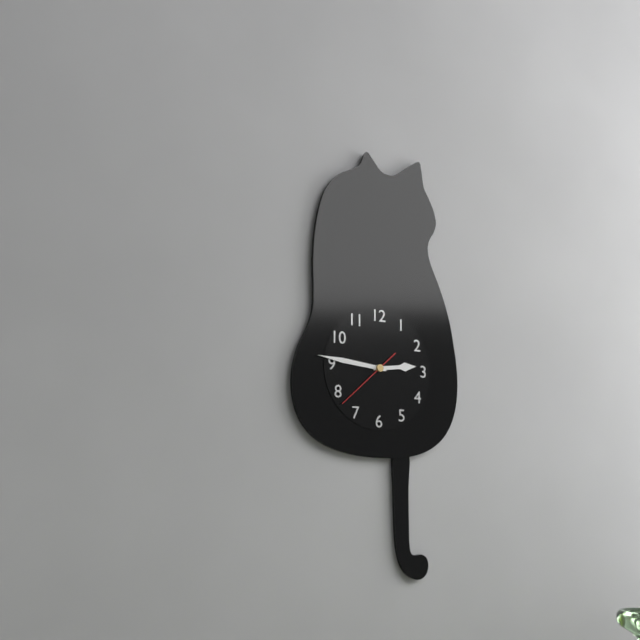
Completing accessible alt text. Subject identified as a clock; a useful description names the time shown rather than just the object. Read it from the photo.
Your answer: 2:46:38
